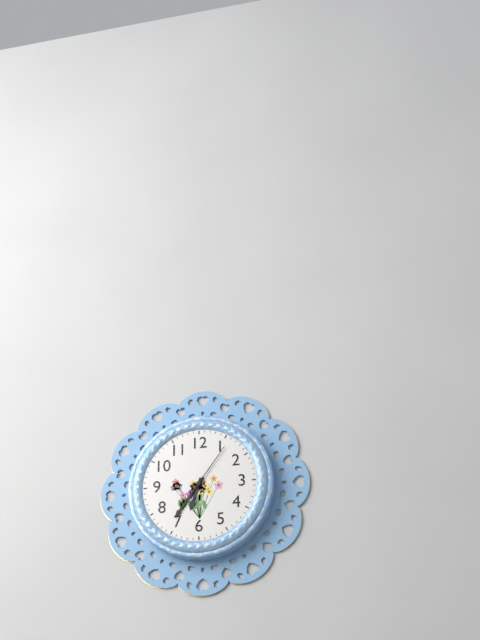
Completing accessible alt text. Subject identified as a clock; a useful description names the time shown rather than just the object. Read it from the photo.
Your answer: 6:36:06
